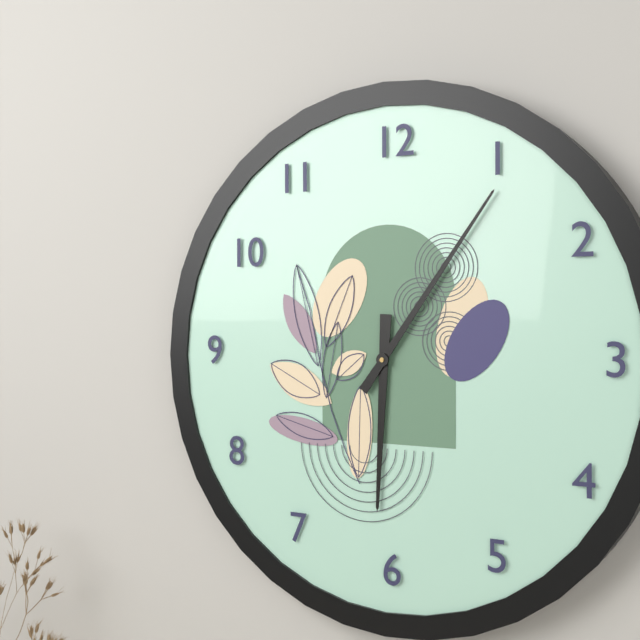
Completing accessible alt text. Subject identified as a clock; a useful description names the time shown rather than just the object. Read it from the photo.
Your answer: 6:06
